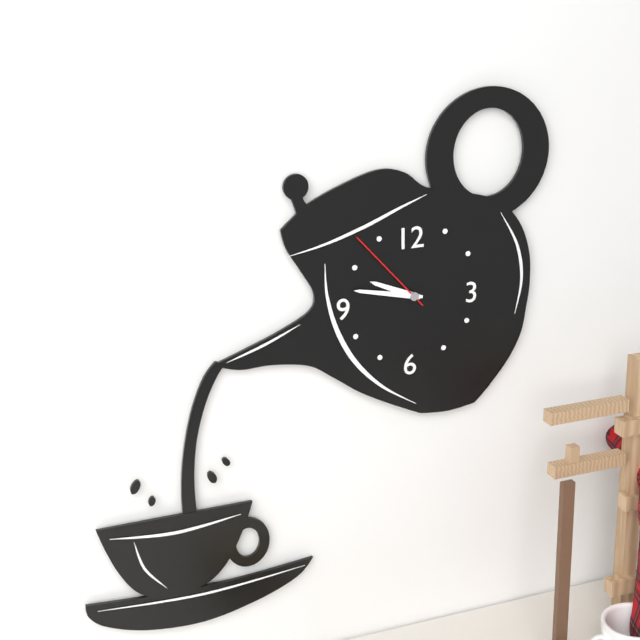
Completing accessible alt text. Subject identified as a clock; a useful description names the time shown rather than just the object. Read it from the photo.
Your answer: 9:47:53
